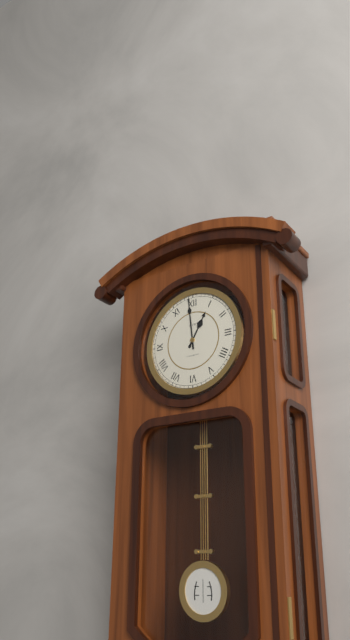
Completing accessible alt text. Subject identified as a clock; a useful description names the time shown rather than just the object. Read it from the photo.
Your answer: 12:59
